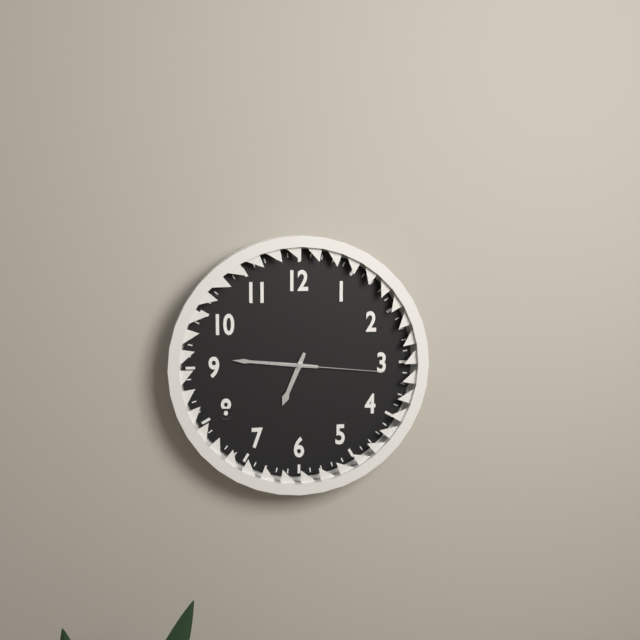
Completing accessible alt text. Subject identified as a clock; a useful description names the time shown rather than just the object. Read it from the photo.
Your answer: 6:46:16
